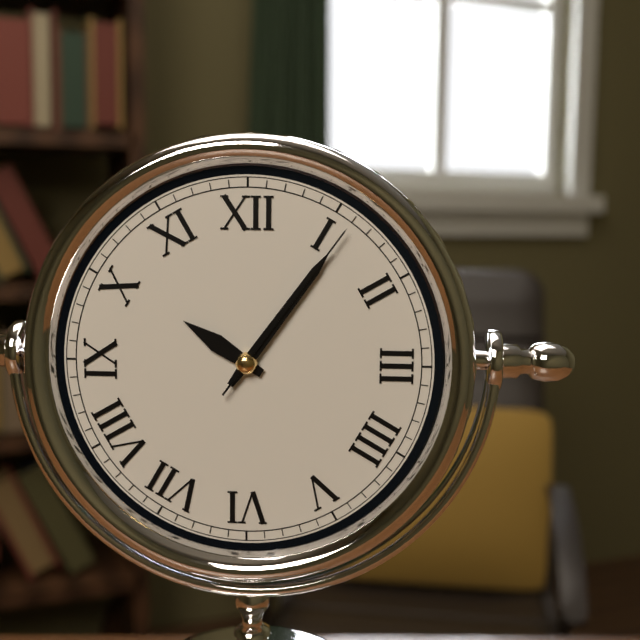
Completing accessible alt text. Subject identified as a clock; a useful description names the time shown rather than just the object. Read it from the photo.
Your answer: 10:06:06
